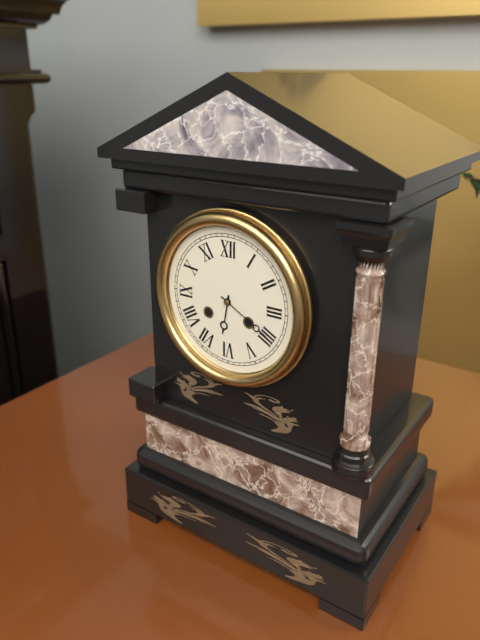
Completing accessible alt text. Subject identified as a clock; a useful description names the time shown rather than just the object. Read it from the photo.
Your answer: 6:20
